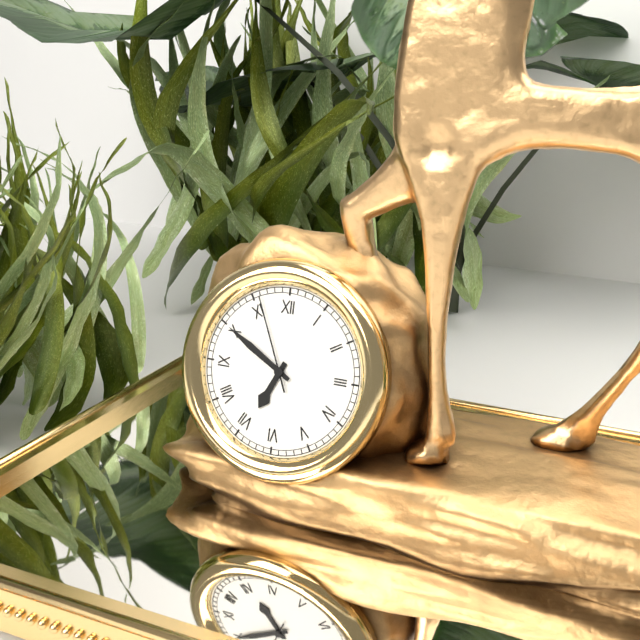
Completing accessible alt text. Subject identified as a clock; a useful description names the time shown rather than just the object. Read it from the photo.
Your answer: 6:50:56
